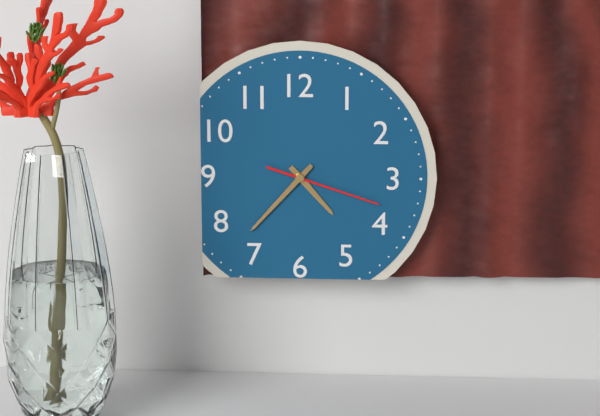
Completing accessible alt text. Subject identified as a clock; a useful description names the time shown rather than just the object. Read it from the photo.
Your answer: 4:37:18
